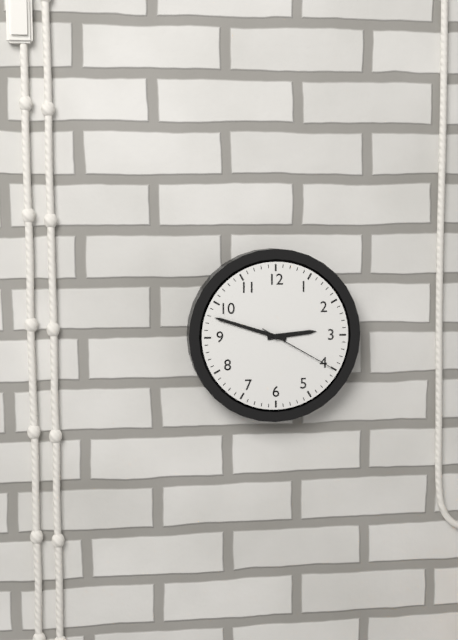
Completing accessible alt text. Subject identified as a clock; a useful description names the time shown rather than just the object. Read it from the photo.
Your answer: 2:48:20
